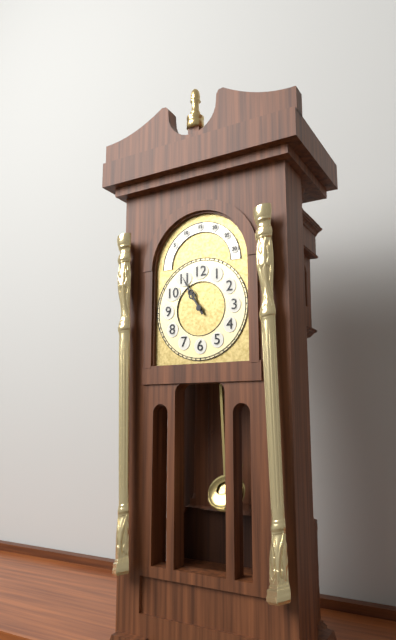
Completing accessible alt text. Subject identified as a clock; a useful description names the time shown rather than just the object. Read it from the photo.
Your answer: 10:55
